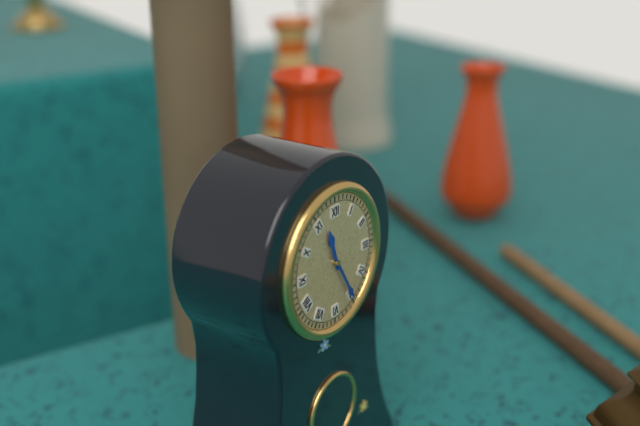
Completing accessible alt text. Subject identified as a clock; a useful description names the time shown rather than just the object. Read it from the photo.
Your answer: 11:25
